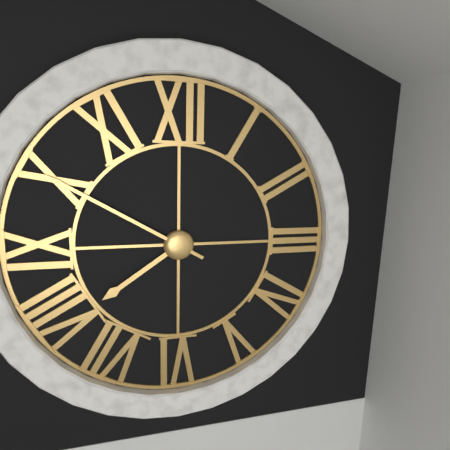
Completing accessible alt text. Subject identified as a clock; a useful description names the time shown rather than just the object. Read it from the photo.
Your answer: 7:50
